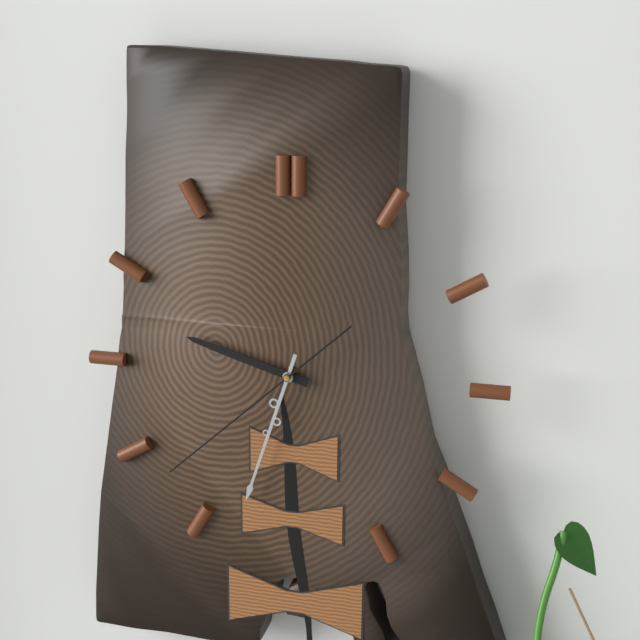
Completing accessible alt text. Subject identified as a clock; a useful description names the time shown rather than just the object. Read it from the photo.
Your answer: 9:33:38
